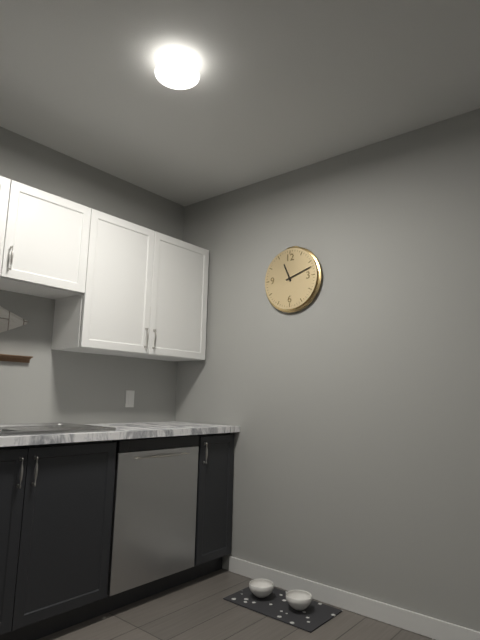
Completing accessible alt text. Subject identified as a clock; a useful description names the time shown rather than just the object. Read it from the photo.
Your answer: 11:12
